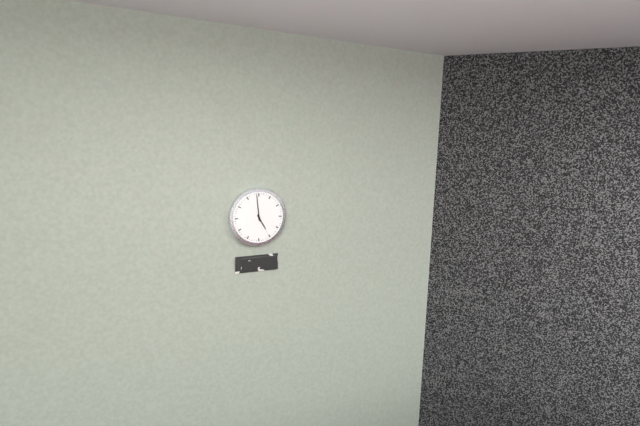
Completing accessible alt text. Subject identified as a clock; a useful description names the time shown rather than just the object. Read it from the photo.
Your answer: 4:59
